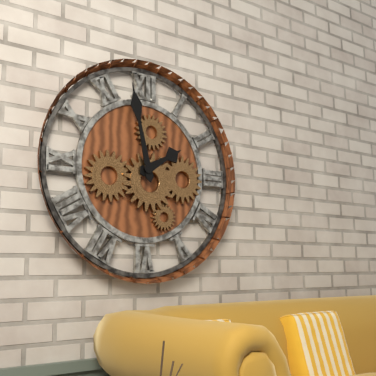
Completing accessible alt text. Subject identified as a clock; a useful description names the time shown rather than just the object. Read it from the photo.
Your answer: 1:58
